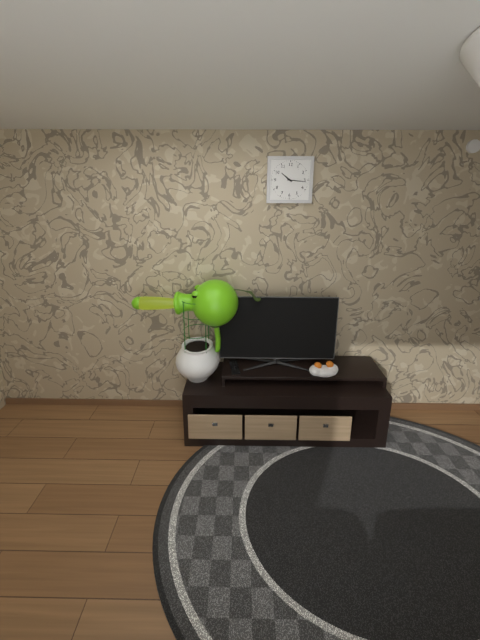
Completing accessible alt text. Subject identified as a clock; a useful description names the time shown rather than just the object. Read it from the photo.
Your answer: 10:16
